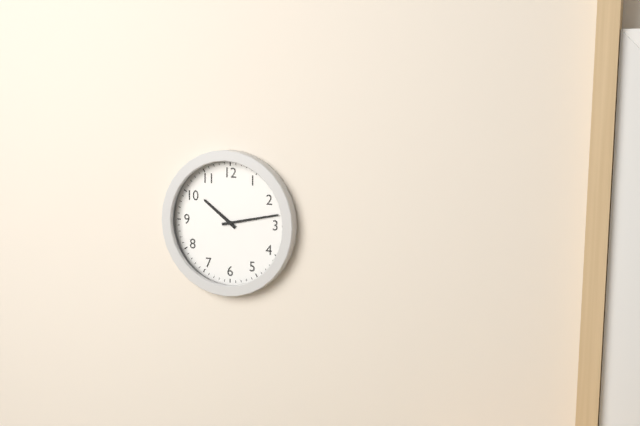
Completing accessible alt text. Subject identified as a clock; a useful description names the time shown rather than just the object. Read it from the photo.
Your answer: 10:13
